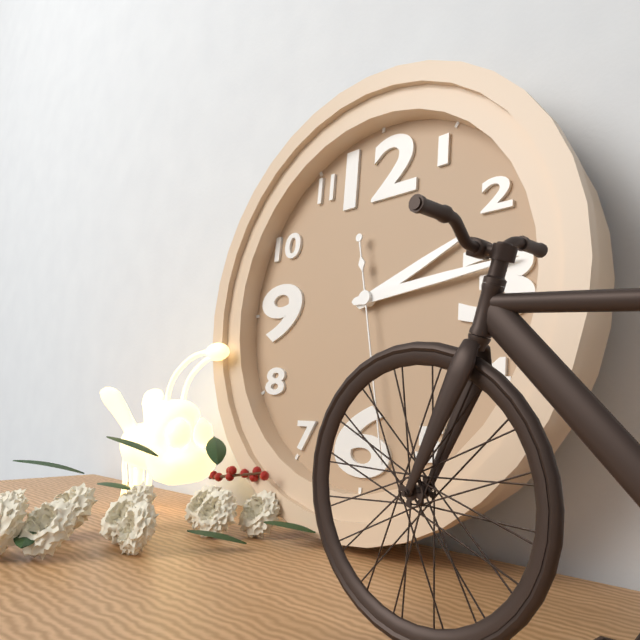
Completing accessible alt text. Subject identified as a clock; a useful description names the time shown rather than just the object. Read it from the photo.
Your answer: 2:14:28
